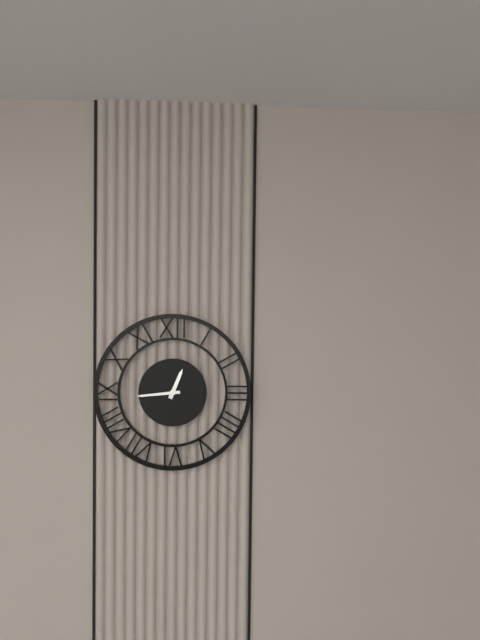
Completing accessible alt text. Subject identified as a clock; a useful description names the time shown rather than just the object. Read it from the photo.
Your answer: 12:44
